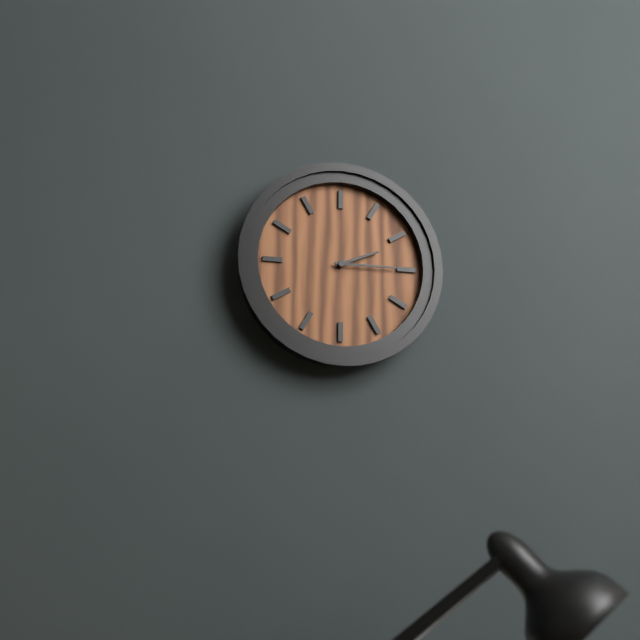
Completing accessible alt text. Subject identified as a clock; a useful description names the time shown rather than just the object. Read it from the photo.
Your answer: 2:15
